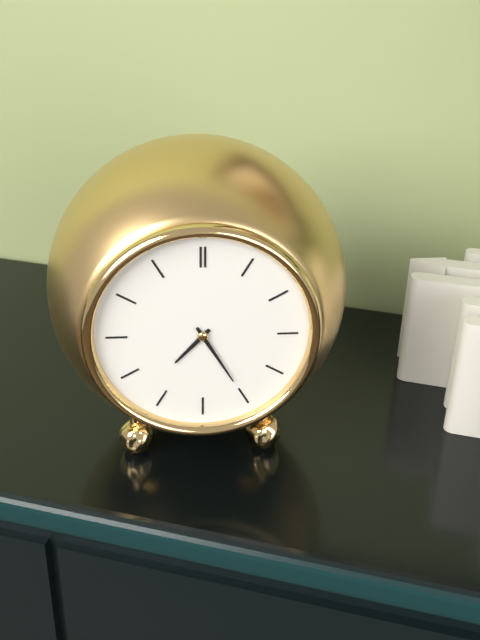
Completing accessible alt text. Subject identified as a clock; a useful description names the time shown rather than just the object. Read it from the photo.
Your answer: 7:25
